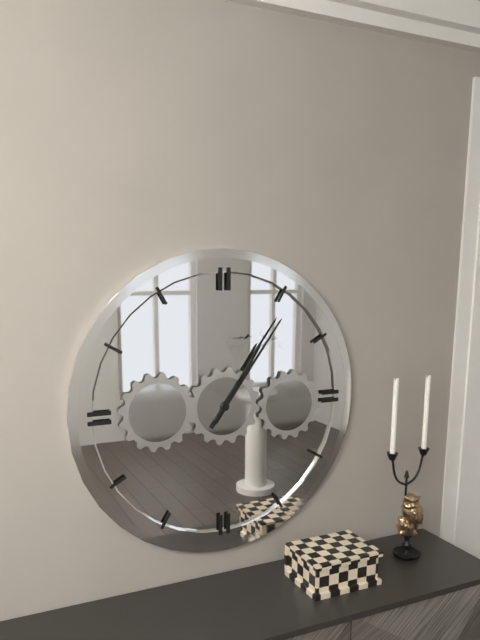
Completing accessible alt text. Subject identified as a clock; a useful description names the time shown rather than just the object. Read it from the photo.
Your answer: 1:06
